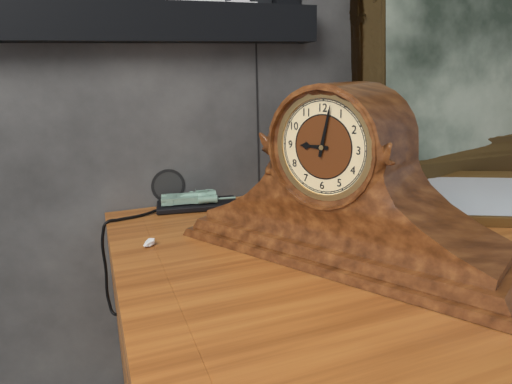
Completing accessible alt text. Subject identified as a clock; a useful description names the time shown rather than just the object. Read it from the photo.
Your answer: 9:02
